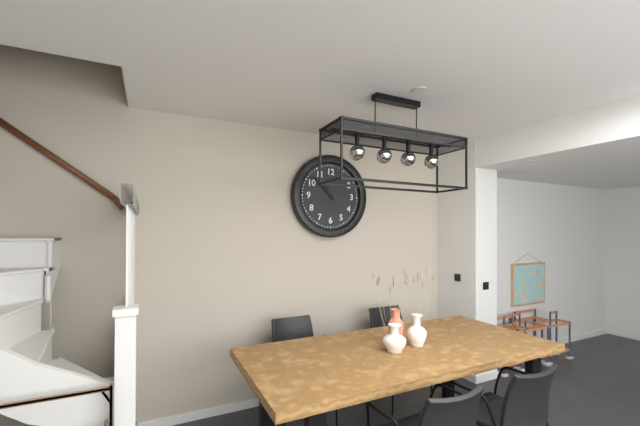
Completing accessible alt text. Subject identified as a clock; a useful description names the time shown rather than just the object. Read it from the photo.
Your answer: 10:52
